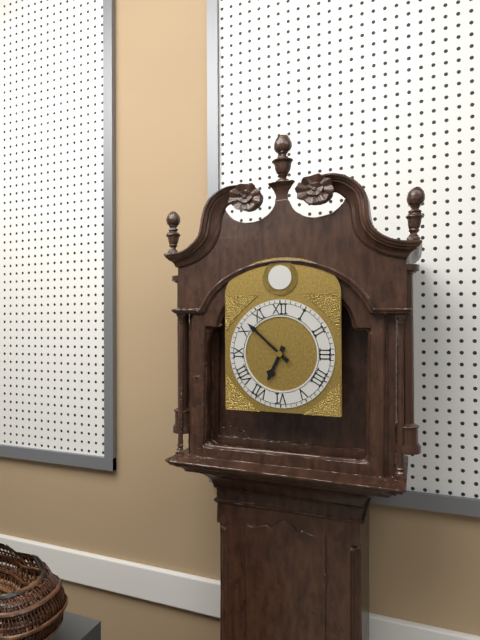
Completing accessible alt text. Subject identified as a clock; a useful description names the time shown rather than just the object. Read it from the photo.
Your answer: 6:52
